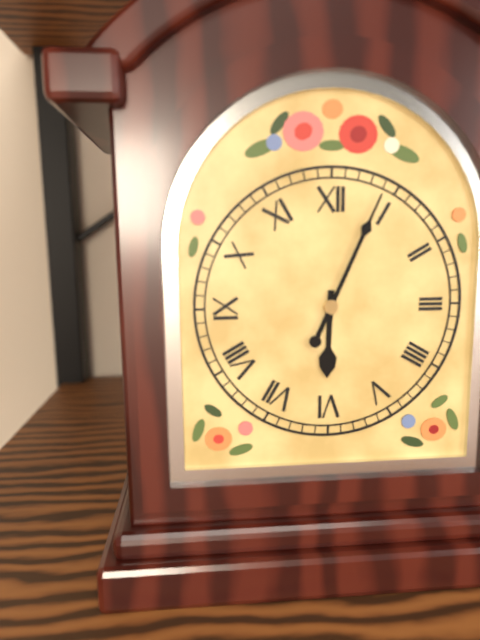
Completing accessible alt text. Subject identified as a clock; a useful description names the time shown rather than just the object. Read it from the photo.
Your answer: 6:04
